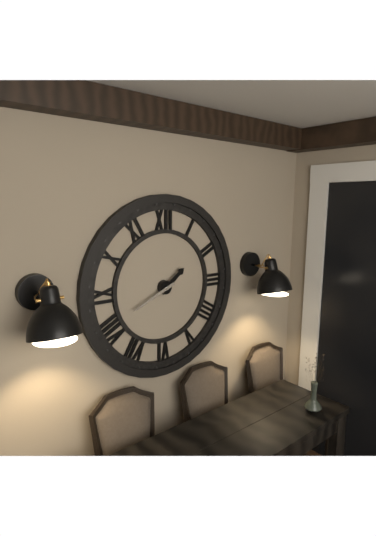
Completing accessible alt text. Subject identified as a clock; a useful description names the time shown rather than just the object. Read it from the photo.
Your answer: 1:41
